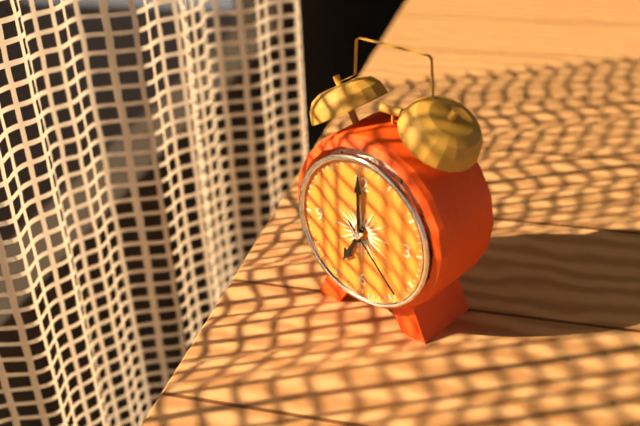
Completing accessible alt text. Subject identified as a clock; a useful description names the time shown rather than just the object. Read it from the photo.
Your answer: 7:00:23
